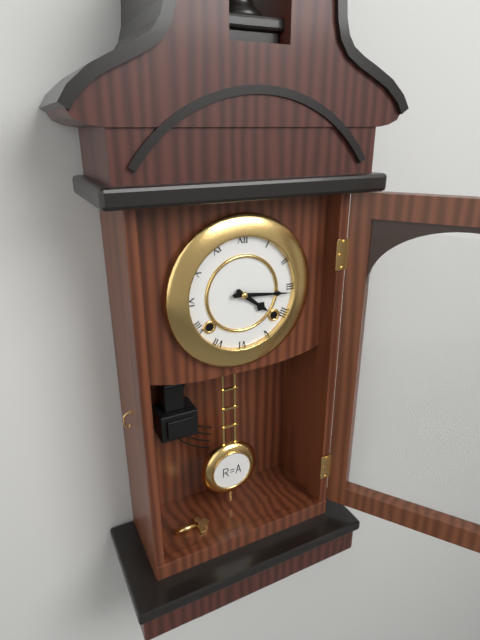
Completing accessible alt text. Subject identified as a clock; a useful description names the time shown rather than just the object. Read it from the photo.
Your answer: 4:16
